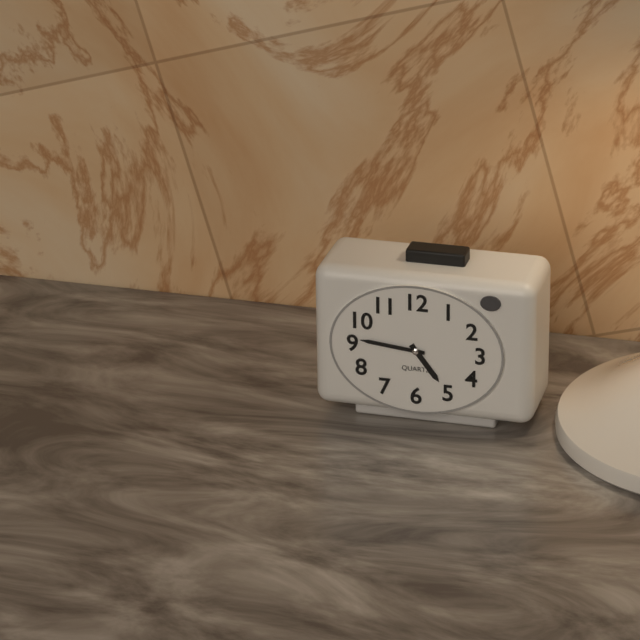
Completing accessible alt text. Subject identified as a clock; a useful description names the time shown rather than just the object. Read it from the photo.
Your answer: 4:46
